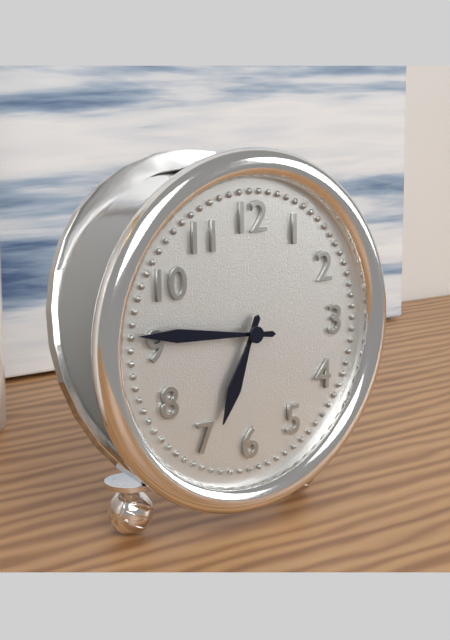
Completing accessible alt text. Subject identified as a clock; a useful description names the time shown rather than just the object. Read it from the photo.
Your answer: 6:46
